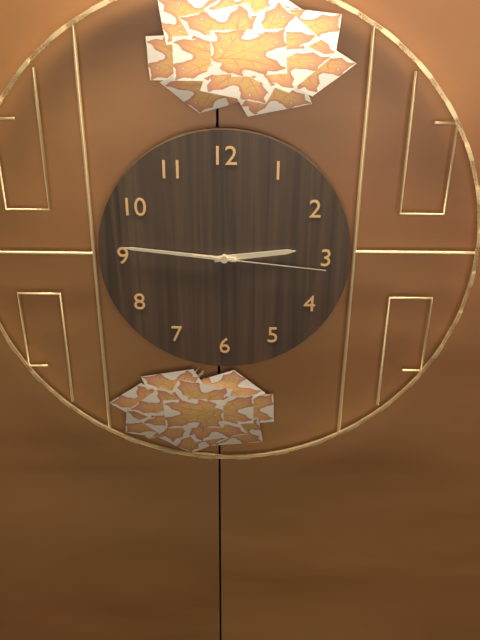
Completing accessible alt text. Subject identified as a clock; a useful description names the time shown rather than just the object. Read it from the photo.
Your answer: 2:46:16
